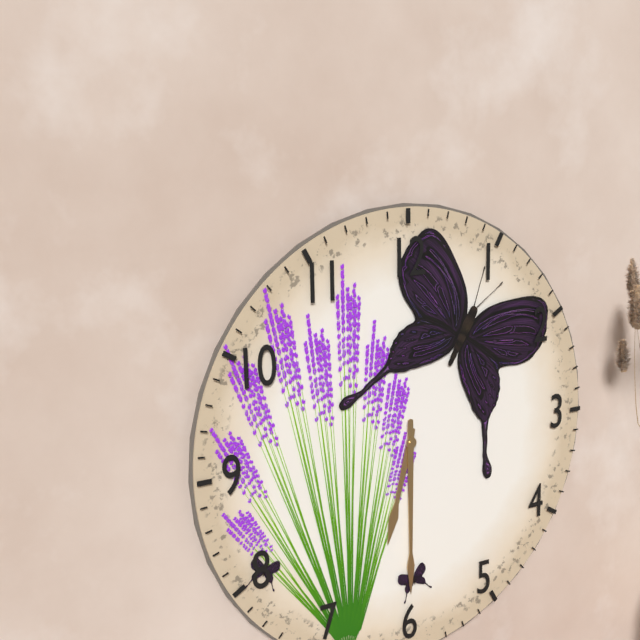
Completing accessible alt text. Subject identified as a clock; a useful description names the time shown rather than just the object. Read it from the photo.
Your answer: 6:30
